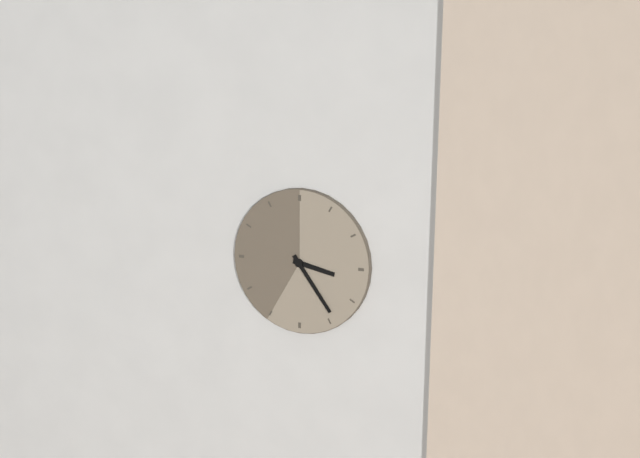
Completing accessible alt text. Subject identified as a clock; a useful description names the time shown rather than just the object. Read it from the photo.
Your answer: 3:24
